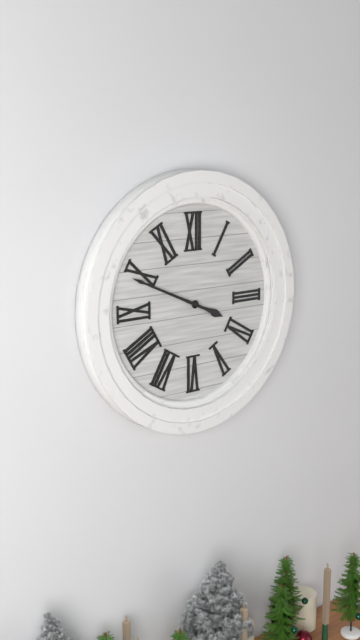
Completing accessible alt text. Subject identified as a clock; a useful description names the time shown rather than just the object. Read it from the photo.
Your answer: 3:49
